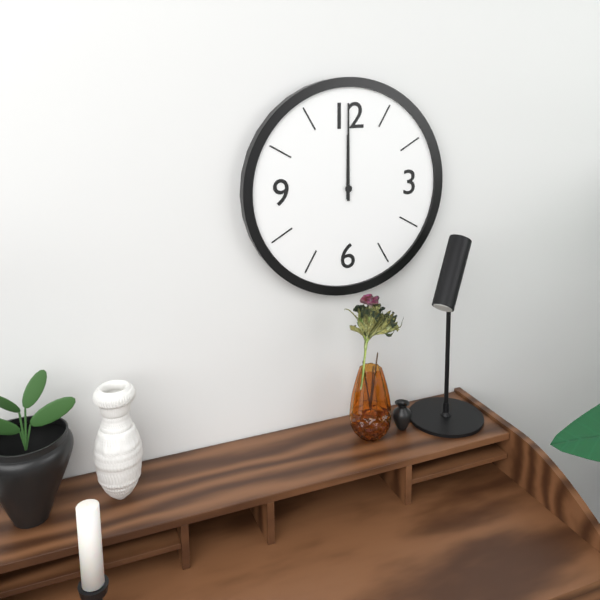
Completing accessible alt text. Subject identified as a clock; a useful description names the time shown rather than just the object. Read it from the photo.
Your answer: 12:00
